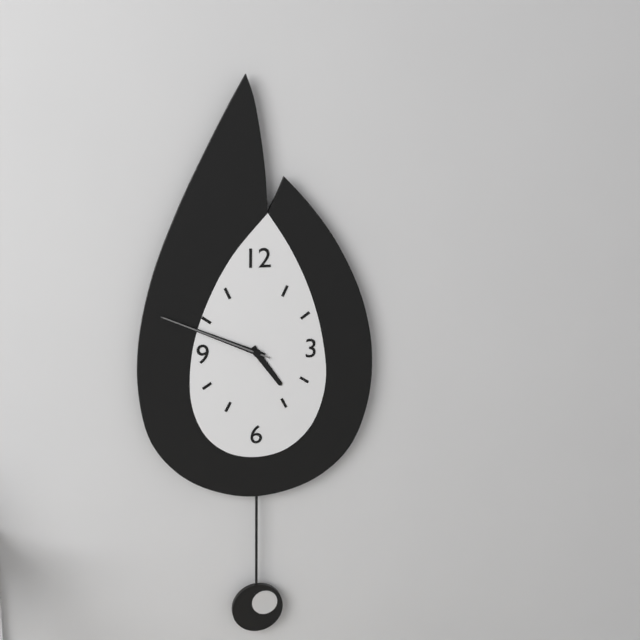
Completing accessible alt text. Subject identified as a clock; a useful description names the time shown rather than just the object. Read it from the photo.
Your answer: 4:49:49
